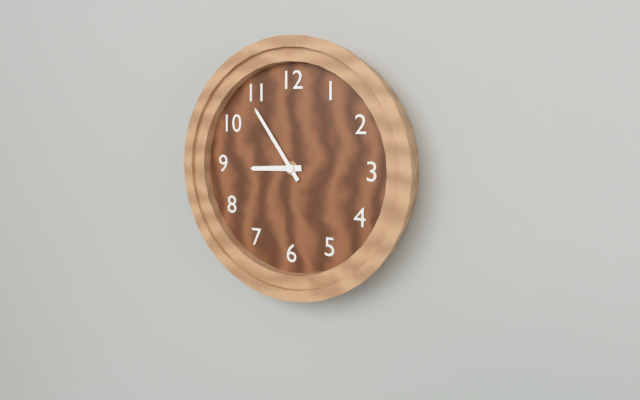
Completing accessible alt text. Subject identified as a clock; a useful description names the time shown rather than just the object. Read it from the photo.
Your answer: 8:54
